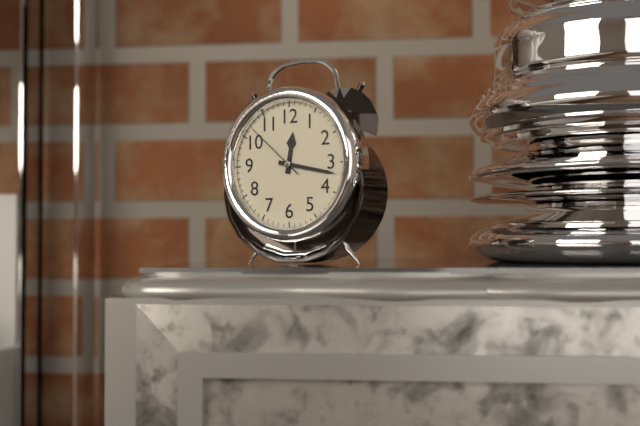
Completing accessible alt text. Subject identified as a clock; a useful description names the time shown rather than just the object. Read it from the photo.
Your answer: 12:17:52
